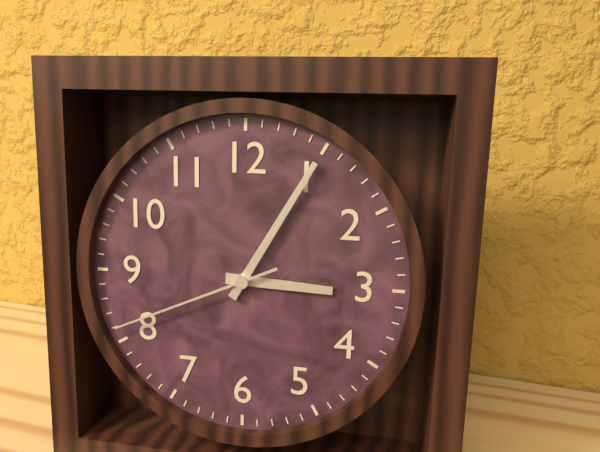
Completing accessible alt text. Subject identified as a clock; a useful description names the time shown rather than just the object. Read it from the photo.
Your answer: 3:05:41
